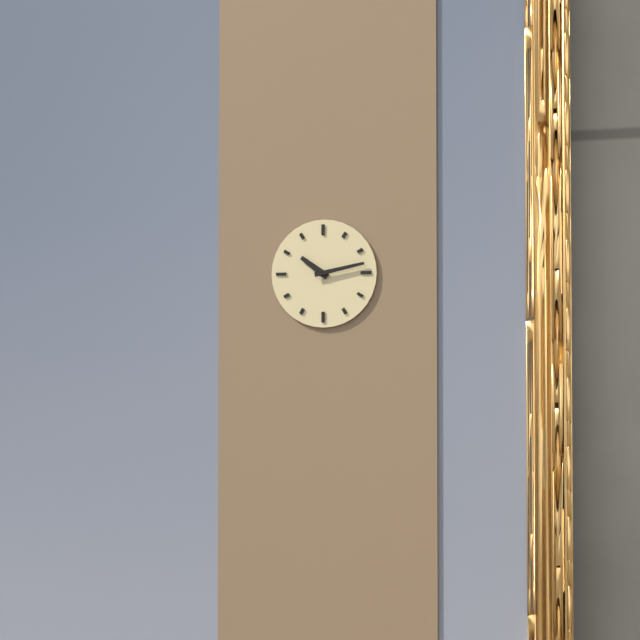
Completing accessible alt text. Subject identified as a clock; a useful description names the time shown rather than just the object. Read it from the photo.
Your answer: 10:13
